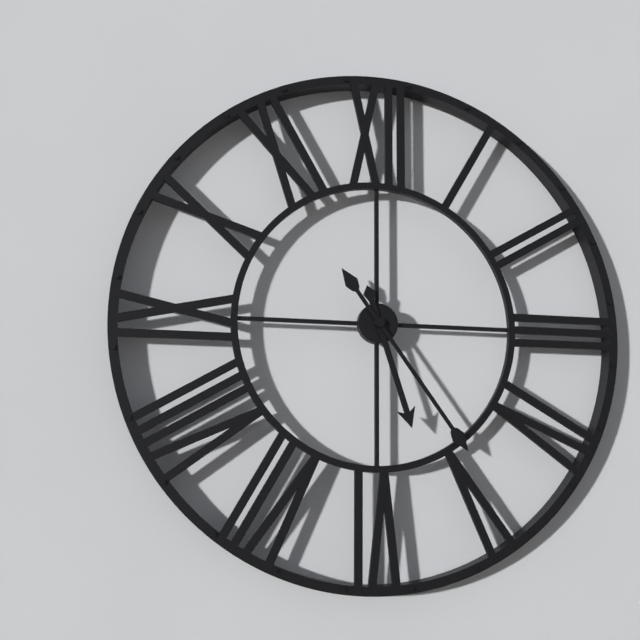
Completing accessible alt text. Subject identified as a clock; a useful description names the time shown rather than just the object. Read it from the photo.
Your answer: 5:24
